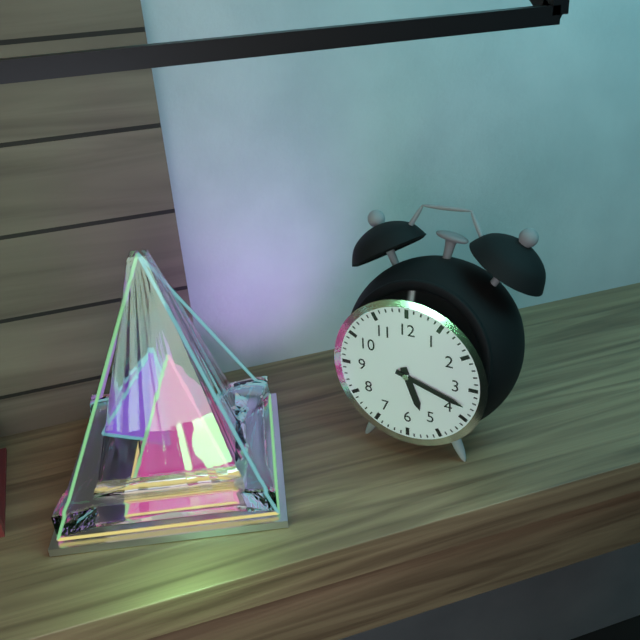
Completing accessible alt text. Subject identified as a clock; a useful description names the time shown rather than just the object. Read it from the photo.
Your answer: 5:18
